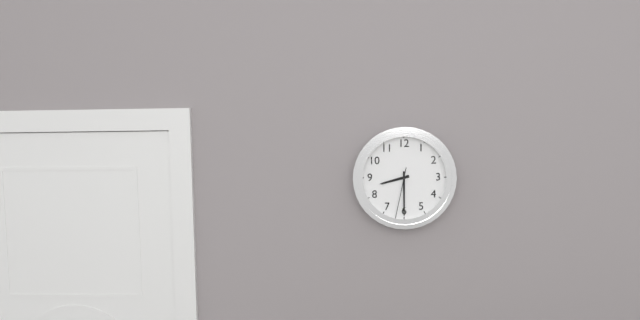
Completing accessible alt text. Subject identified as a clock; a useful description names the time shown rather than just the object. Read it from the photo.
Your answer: 8:30:32
